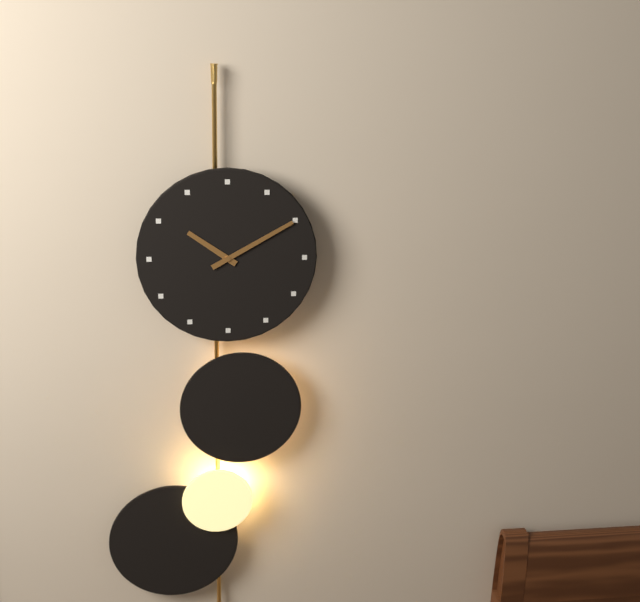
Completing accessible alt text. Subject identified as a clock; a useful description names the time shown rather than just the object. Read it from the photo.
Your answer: 10:10
